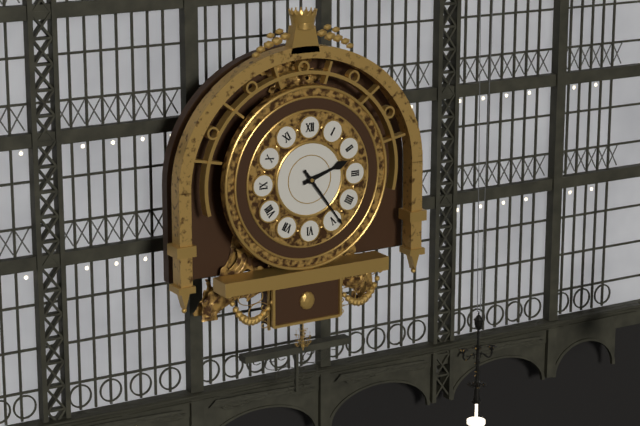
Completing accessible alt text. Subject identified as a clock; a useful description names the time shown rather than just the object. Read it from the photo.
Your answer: 2:24
